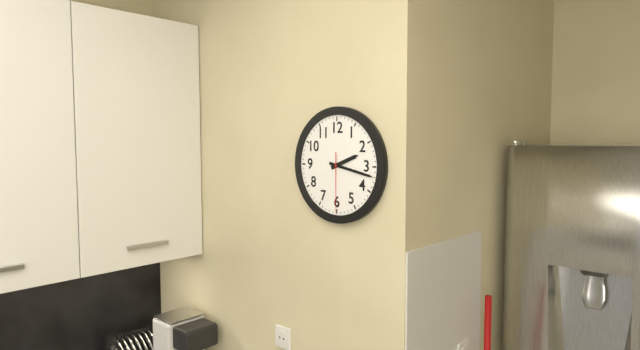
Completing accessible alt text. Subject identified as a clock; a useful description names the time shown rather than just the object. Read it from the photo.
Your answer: 2:17:30
